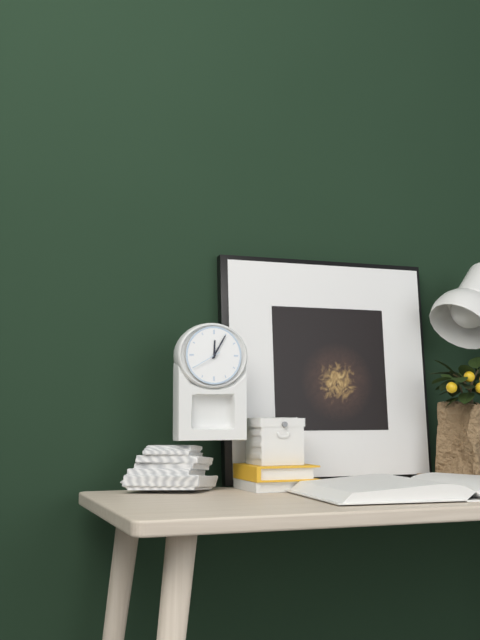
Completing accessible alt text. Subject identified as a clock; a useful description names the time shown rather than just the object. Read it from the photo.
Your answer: 12:05
